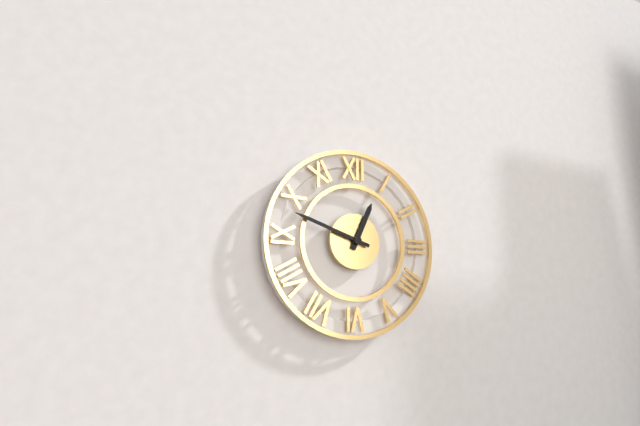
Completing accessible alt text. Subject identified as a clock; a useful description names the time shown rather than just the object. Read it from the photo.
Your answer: 12:48
